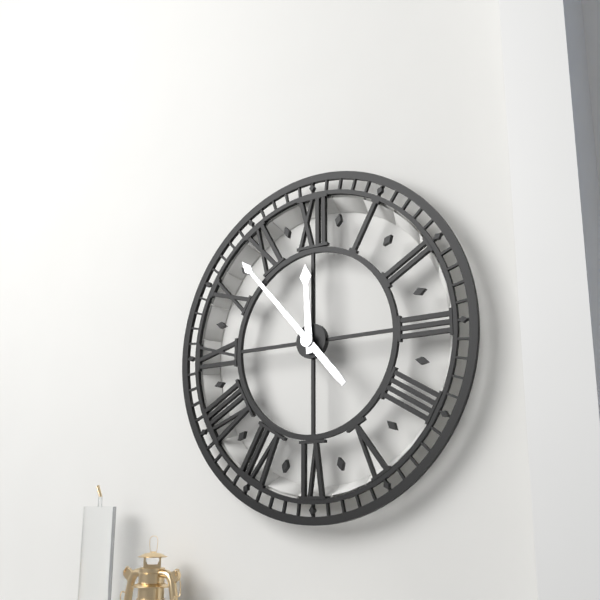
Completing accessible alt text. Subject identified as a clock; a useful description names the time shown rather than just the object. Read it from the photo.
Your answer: 11:53
